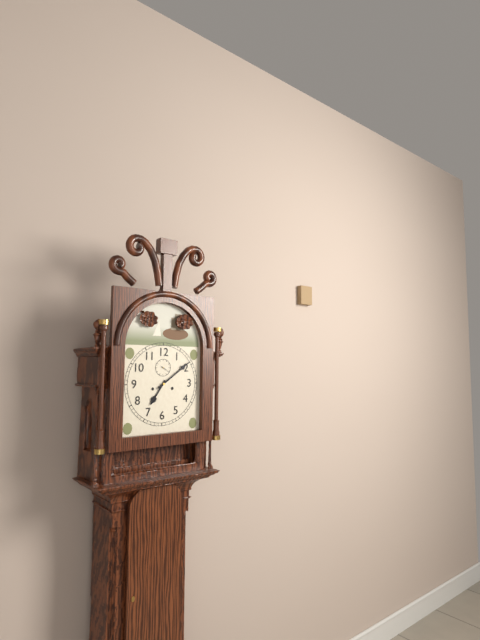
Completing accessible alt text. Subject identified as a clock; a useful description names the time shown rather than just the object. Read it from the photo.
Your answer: 7:09
